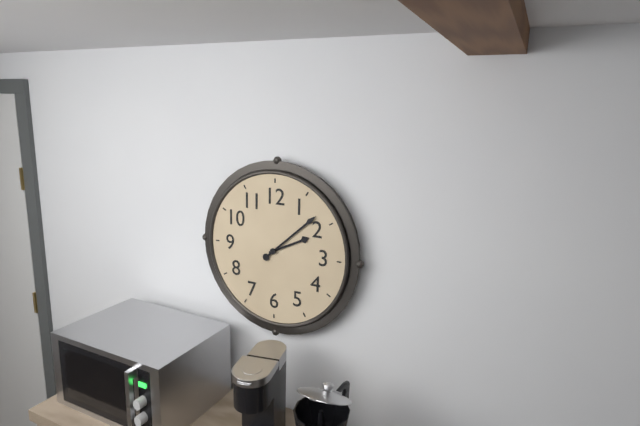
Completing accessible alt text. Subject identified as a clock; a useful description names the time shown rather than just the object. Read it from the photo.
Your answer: 2:08
